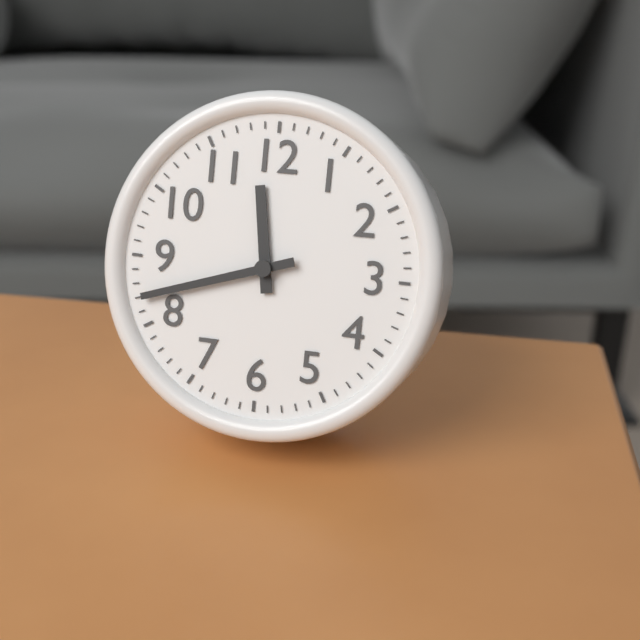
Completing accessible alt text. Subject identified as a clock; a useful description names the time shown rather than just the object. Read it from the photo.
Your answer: 11:42
